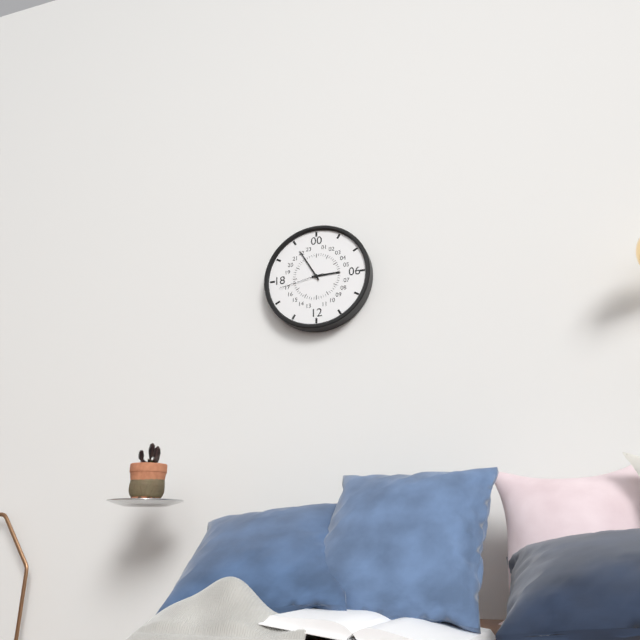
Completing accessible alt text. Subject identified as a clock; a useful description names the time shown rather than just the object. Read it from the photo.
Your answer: 2:55:43
